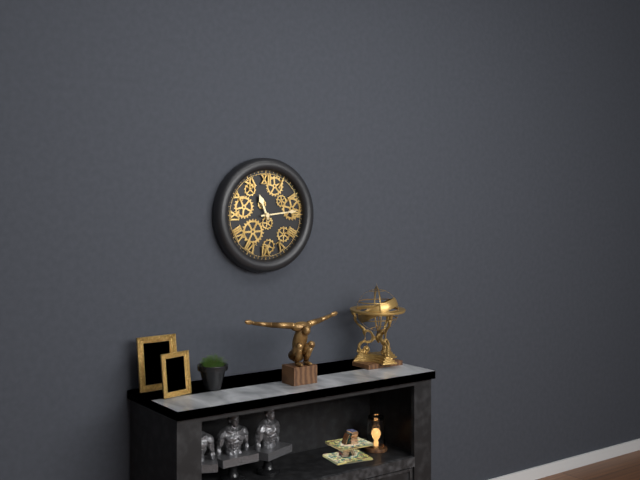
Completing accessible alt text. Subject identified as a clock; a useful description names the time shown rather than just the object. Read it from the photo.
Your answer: 11:14
